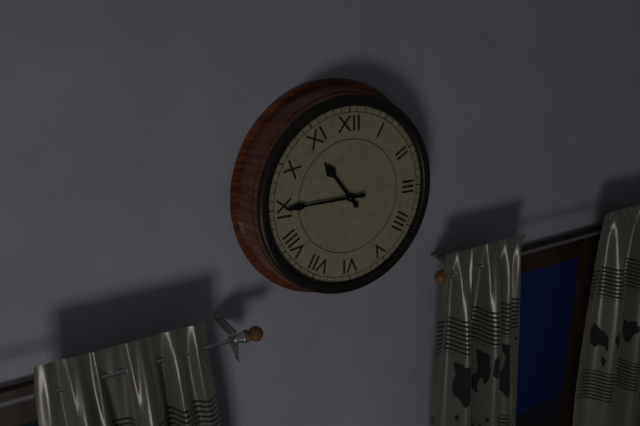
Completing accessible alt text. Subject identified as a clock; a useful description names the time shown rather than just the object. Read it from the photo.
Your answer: 10:45
